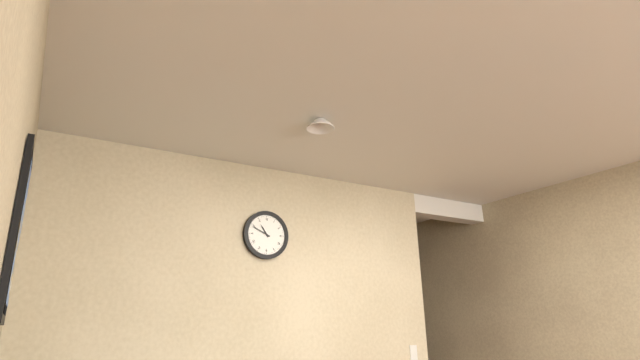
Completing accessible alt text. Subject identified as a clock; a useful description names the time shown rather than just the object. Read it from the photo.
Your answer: 10:49
